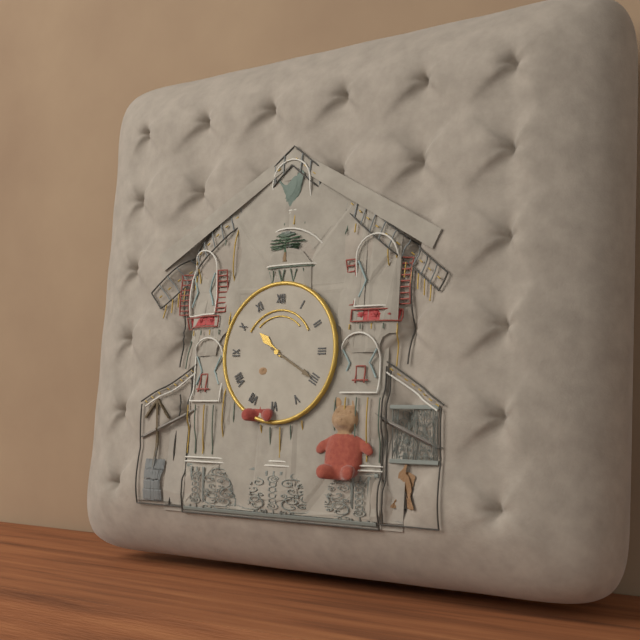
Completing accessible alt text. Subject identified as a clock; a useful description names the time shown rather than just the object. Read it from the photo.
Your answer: 10:20
